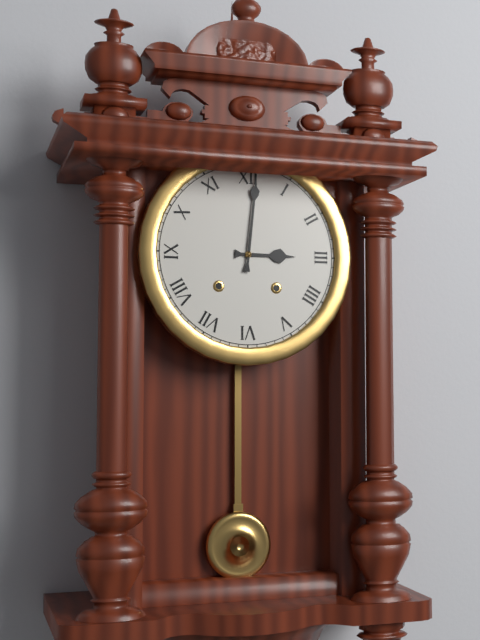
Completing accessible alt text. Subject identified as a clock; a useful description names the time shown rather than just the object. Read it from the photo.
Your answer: 3:01
